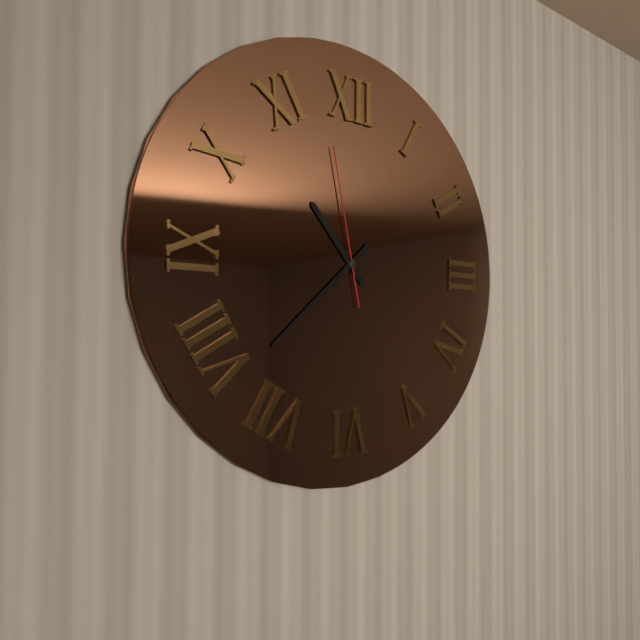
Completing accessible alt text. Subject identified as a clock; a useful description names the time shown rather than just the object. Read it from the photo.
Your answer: 10:38:58
